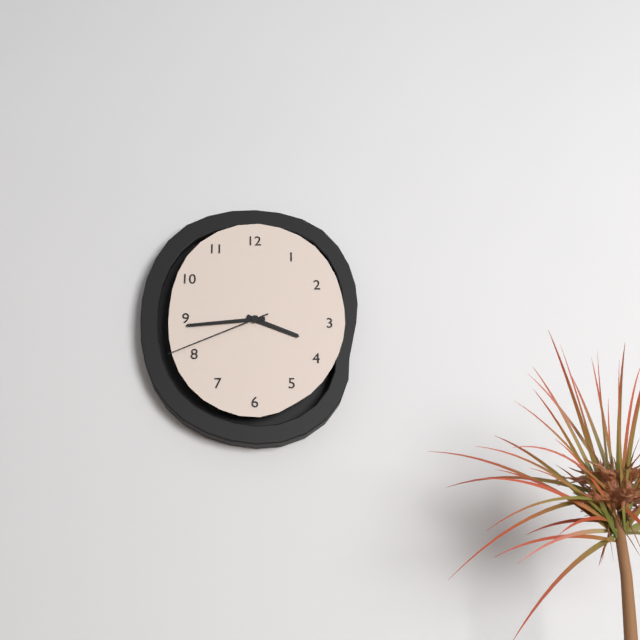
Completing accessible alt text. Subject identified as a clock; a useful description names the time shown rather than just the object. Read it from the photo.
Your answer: 3:44:41
